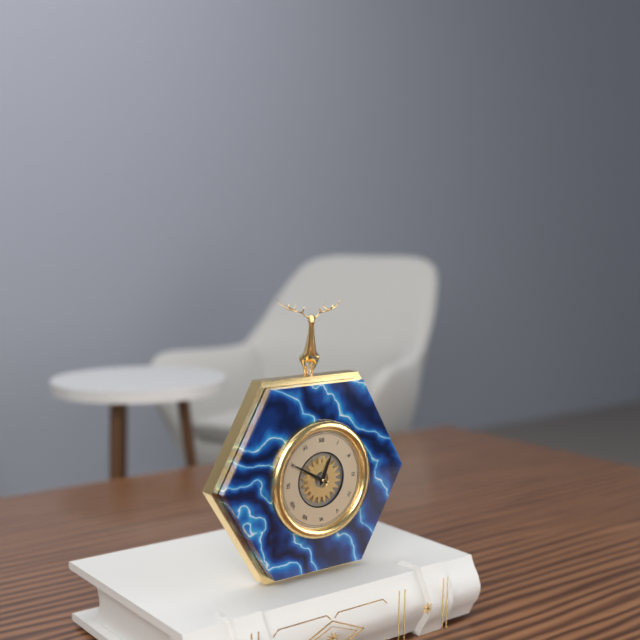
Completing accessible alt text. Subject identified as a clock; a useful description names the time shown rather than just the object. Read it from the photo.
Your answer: 12:50
